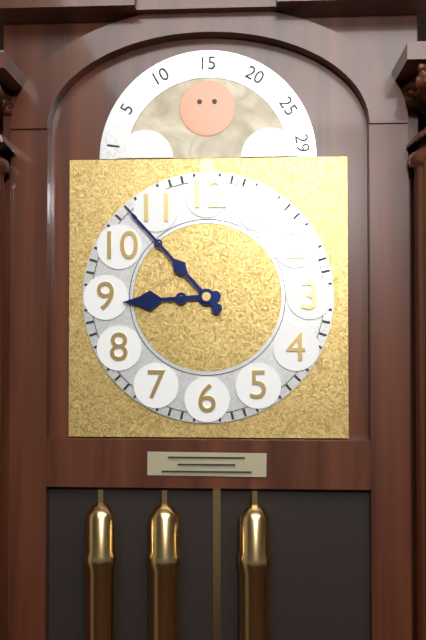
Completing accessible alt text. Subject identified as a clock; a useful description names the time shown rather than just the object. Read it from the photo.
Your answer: 8:53
